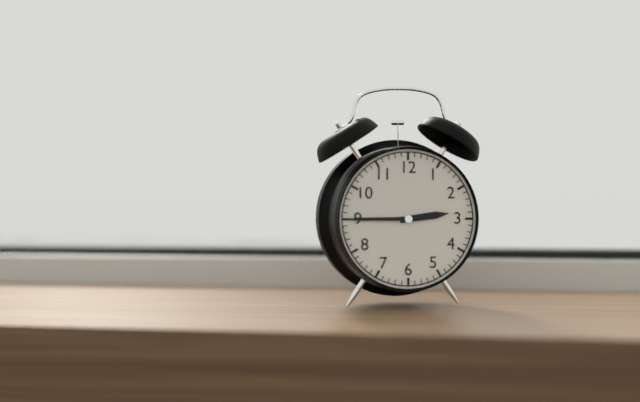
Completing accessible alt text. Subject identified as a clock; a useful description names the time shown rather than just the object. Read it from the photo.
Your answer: 2:45
